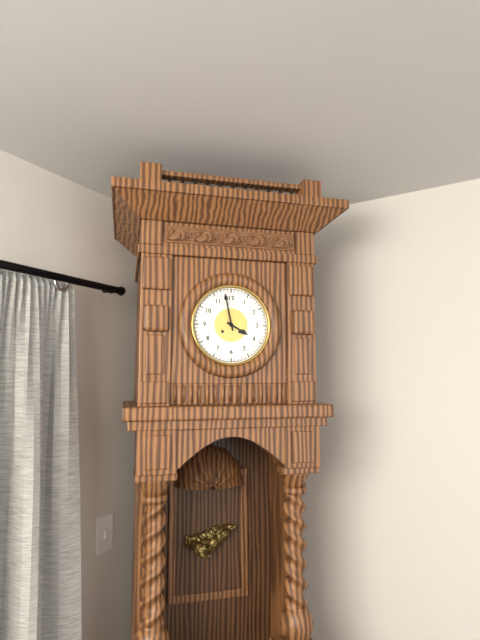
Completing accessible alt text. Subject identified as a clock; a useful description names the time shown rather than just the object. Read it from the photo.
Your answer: 3:58
